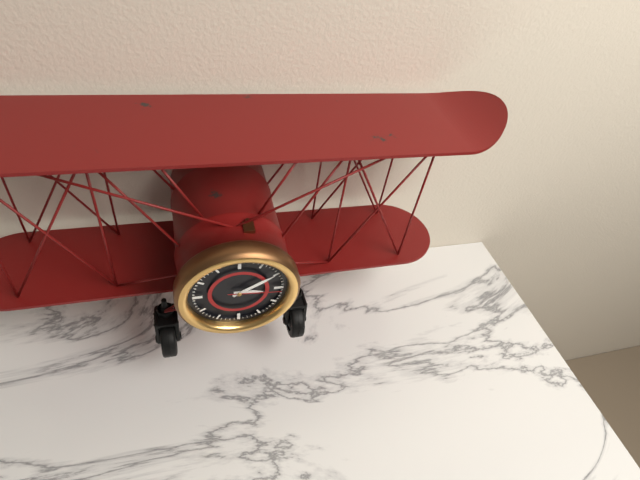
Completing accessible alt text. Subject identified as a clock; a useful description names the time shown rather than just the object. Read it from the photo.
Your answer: 3:10:16
